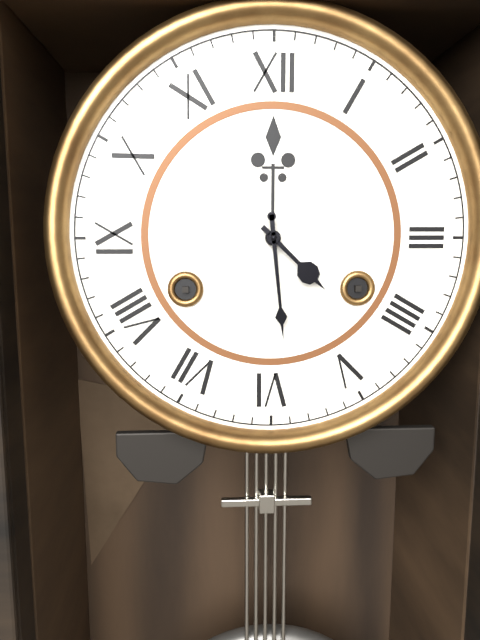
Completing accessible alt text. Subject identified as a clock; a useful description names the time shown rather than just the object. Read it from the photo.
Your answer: 4:29
